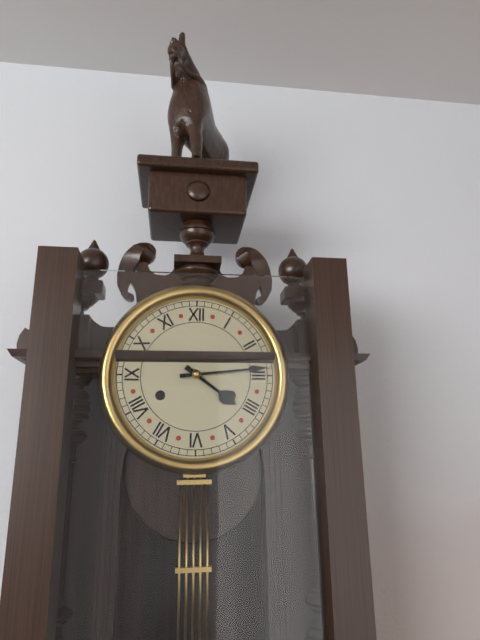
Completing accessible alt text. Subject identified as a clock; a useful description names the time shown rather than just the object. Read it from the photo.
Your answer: 4:14
